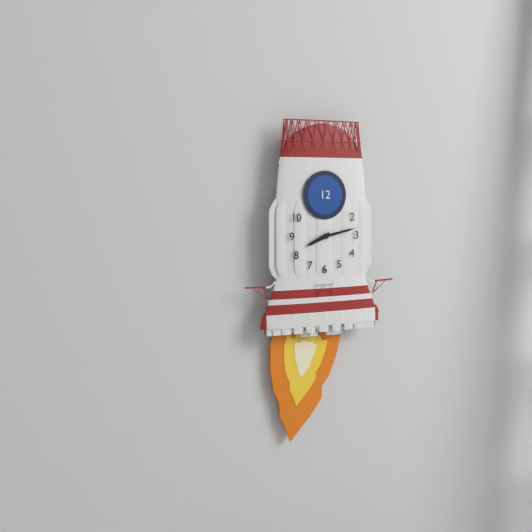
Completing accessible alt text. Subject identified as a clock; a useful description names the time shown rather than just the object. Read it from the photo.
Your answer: 8:13
